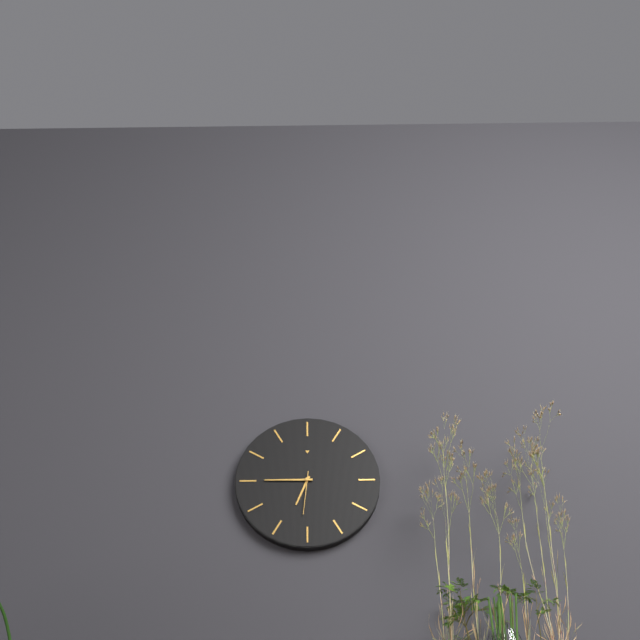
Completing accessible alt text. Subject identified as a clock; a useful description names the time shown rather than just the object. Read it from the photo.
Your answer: 6:45
